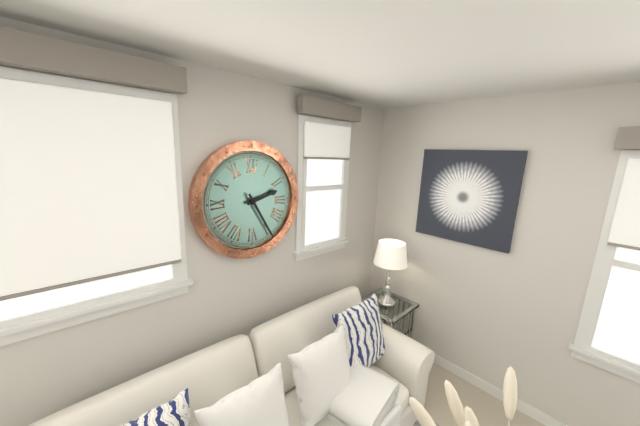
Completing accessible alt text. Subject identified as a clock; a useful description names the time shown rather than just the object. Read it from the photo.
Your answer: 2:25
